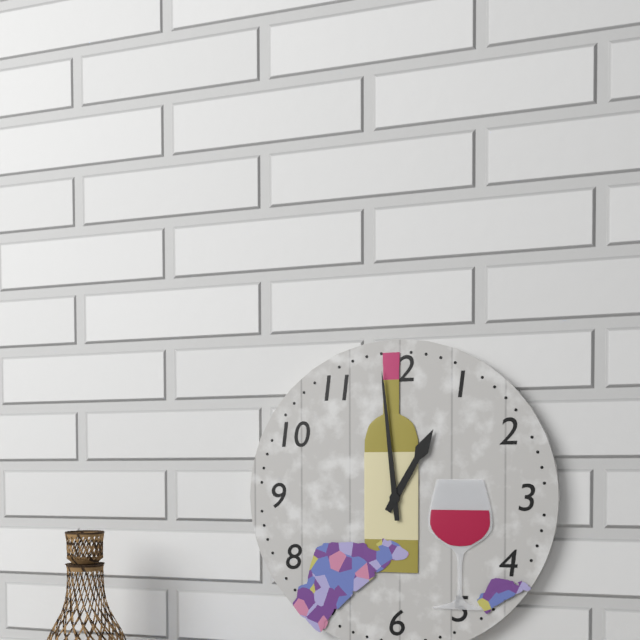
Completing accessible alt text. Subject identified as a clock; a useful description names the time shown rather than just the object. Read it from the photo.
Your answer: 12:59
